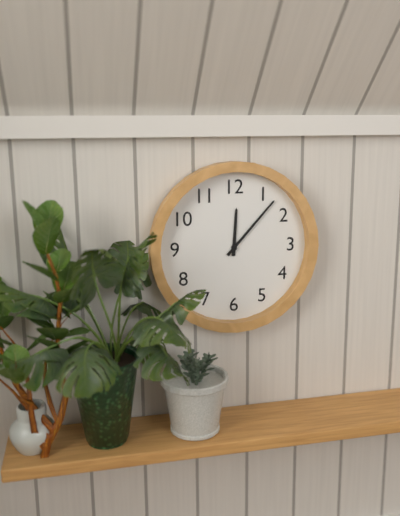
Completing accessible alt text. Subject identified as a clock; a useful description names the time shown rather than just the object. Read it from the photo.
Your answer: 12:07
